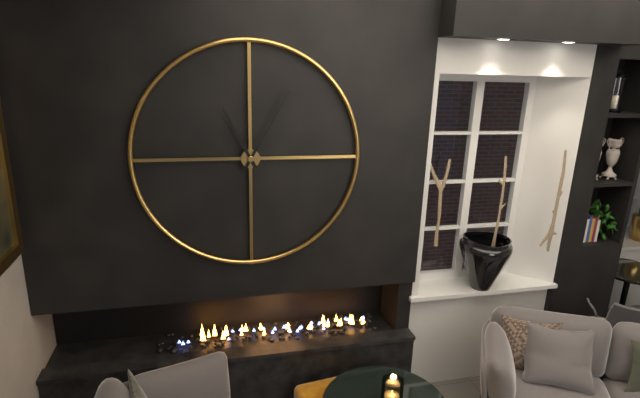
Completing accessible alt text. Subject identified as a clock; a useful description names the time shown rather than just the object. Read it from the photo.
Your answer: 11:05
